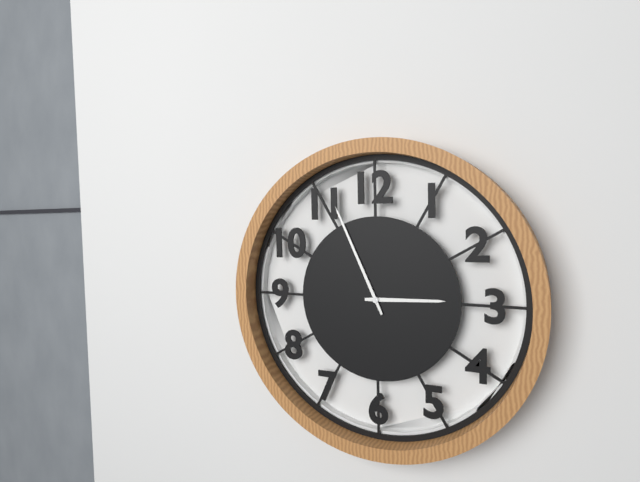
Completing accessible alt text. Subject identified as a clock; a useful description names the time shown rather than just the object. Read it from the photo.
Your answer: 2:56
